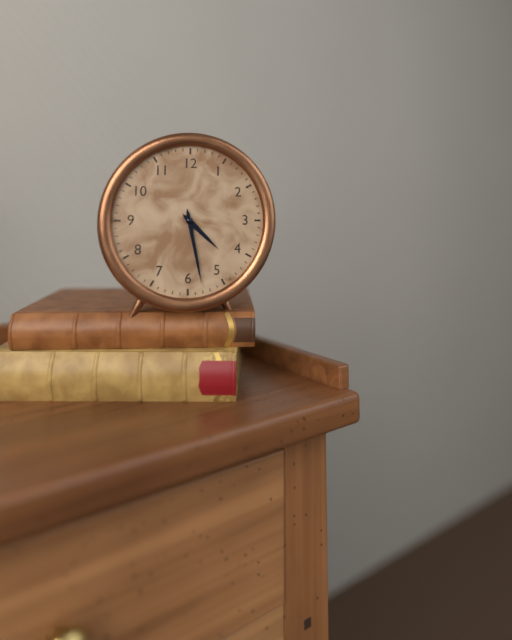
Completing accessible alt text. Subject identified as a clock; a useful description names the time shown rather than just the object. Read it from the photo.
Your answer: 4:28
